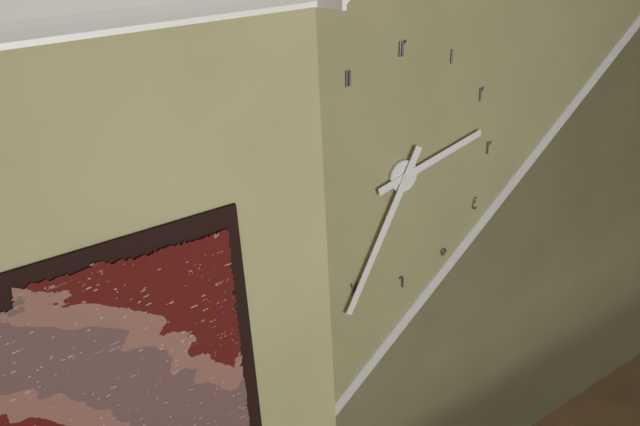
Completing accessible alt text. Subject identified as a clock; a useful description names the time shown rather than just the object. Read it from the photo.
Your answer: 2:35
